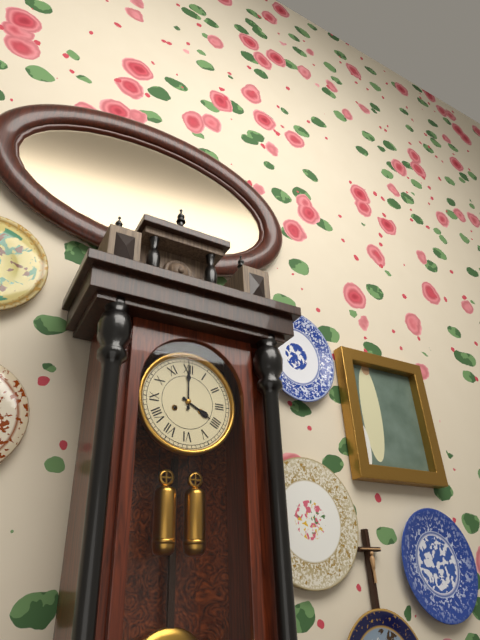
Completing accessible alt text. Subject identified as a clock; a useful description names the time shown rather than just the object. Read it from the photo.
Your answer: 4:00
